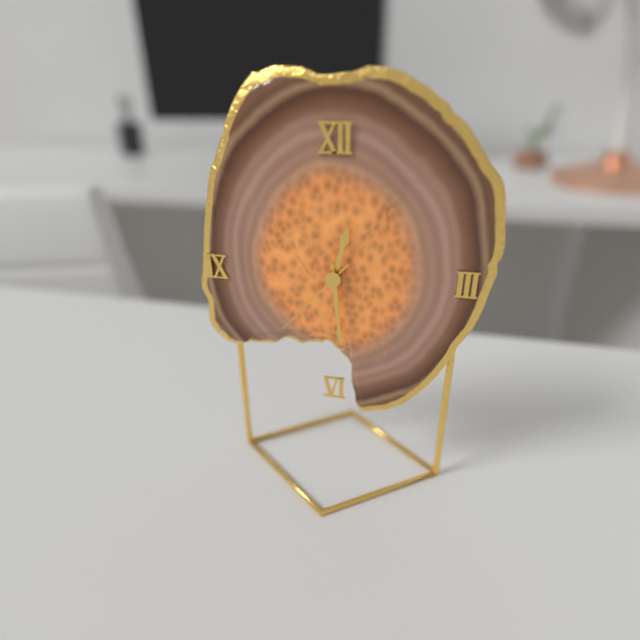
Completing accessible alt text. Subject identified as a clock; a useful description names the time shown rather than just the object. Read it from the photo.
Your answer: 12:29:37
